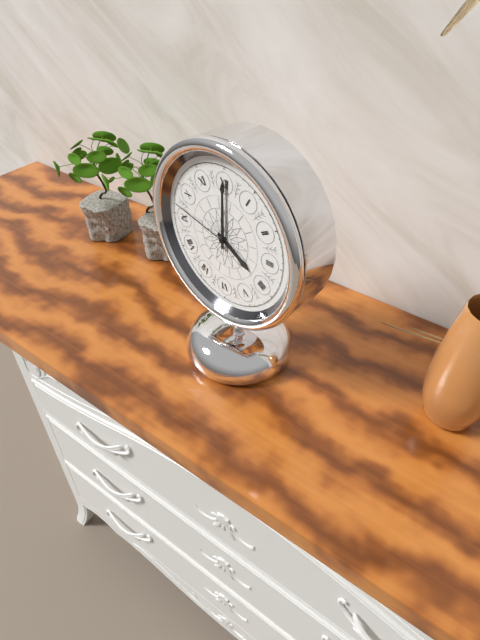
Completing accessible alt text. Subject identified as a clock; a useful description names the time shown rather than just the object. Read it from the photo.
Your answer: 4:00:47
